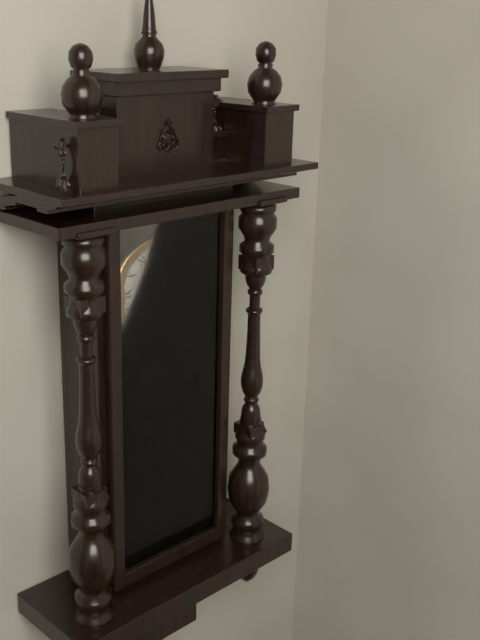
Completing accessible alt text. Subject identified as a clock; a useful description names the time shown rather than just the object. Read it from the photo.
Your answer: 3:13
